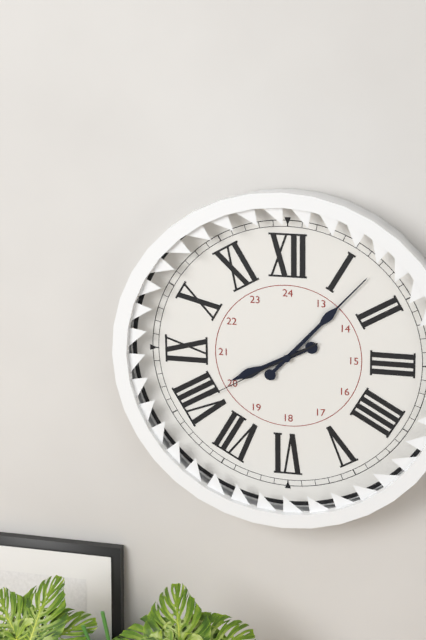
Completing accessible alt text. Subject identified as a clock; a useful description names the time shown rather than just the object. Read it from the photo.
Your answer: 8:07:40
